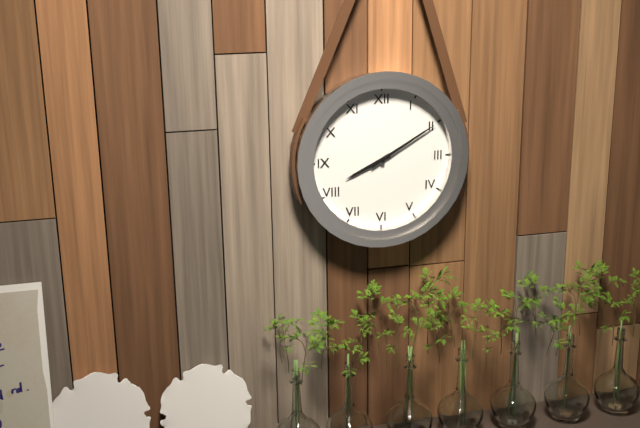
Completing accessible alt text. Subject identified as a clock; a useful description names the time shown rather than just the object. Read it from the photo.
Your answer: 8:10
